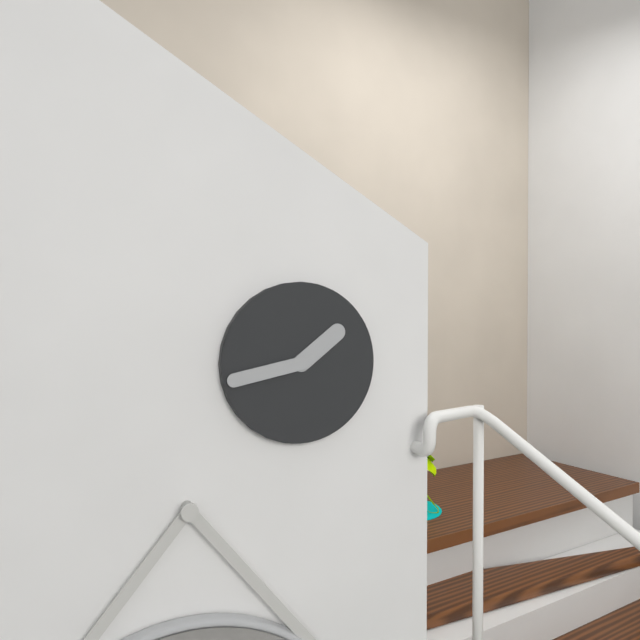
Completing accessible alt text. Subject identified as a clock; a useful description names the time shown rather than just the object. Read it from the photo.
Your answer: 1:43
